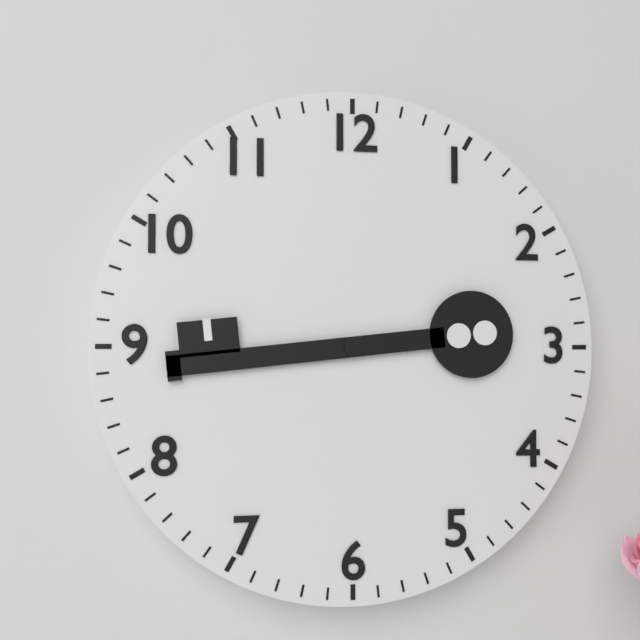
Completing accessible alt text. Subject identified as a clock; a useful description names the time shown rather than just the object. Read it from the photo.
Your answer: 8:44
